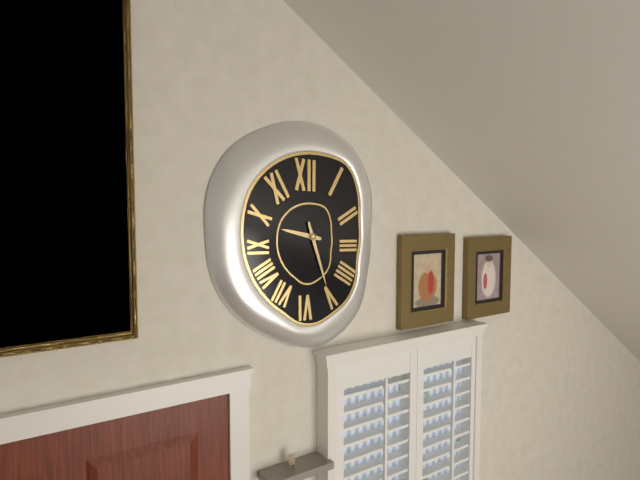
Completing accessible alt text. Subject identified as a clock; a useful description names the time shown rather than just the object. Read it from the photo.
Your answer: 9:27
